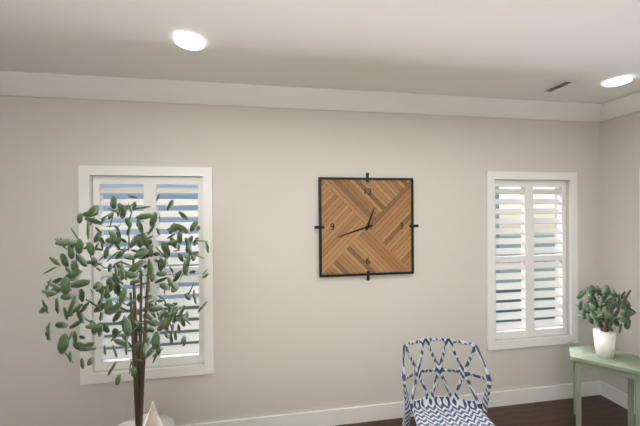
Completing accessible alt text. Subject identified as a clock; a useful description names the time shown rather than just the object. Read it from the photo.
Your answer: 12:42
